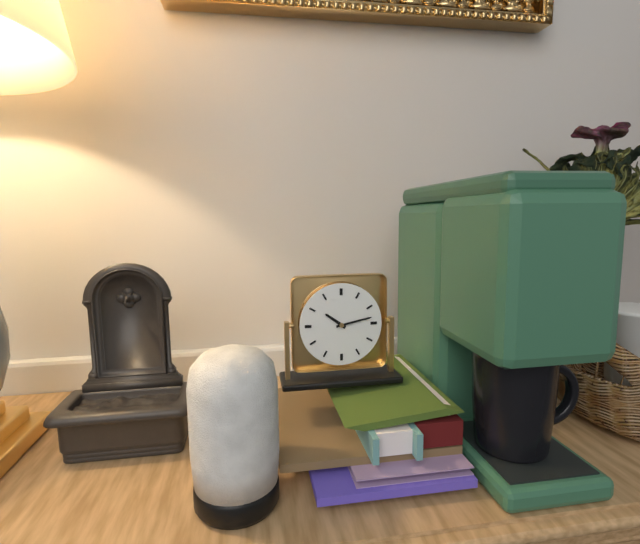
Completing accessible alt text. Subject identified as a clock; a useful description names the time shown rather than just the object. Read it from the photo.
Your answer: 10:13
